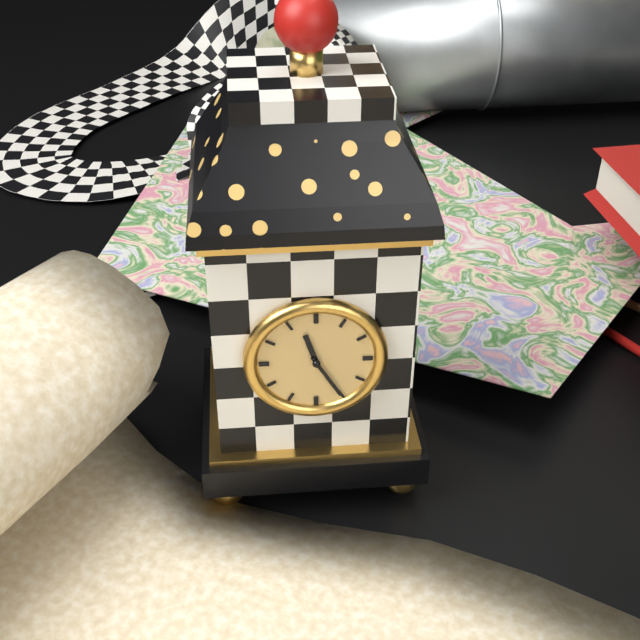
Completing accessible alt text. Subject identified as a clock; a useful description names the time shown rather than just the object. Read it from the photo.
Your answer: 11:25
